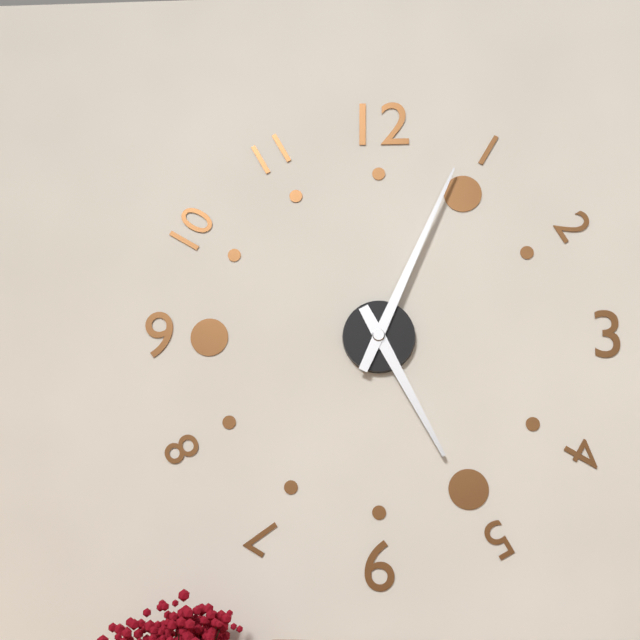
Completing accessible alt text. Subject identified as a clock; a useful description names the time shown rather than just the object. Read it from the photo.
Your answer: 5:04
